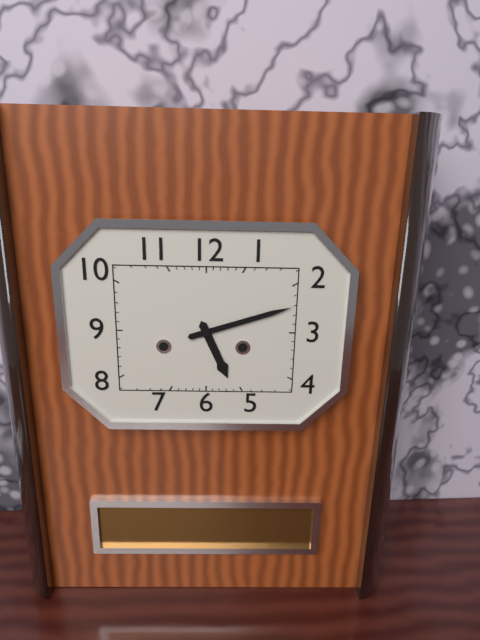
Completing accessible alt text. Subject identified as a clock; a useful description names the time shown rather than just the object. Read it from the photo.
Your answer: 5:12
